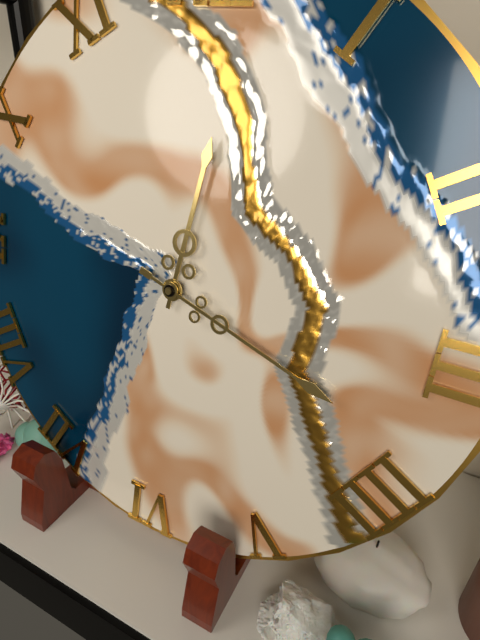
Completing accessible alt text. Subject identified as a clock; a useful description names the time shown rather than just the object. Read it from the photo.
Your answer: 12:18
